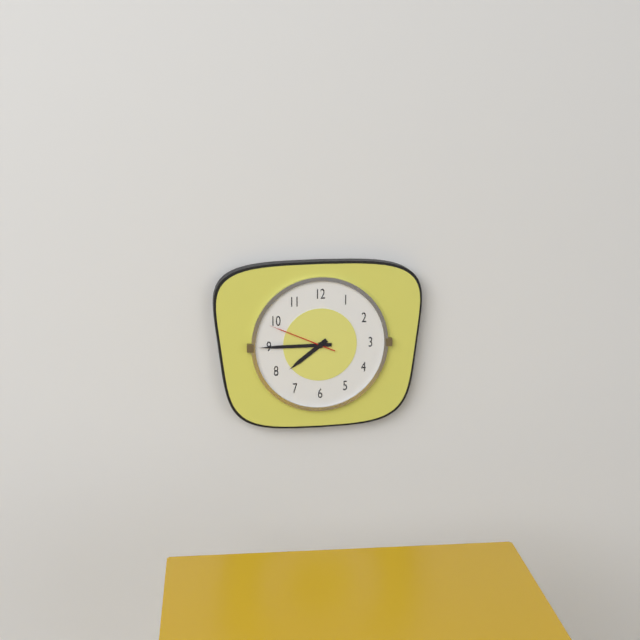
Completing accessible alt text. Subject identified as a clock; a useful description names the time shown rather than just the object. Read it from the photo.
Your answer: 7:45:49
